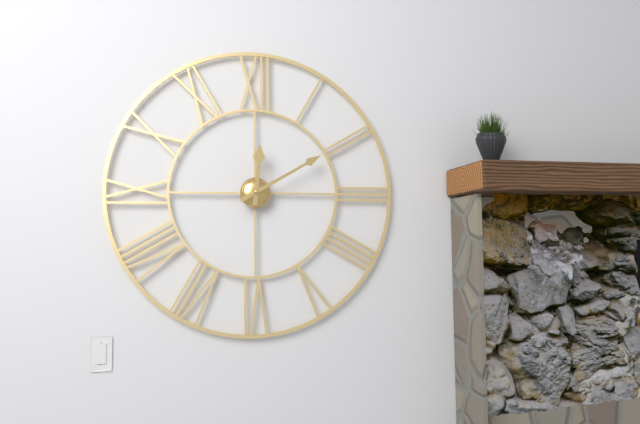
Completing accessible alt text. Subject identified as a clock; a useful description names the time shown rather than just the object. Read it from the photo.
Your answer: 12:10
